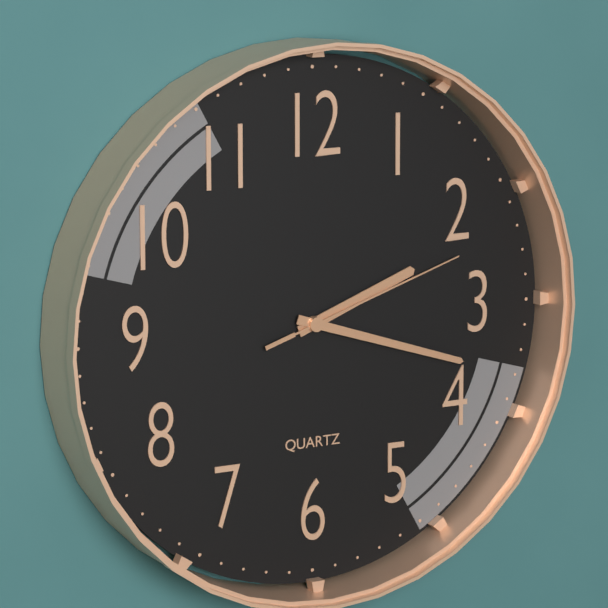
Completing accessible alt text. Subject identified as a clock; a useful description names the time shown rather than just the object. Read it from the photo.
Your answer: 2:18:12
